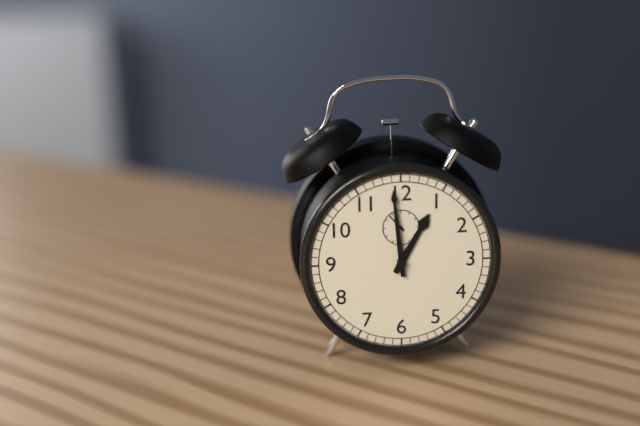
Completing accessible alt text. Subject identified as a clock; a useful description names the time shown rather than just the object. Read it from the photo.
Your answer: 12:59
